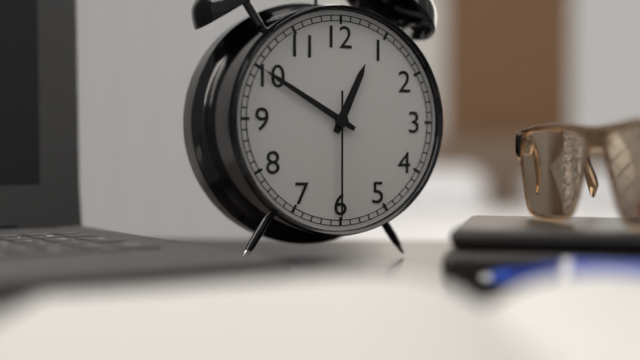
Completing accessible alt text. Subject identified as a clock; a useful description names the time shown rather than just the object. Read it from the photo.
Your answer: 12:50:30
